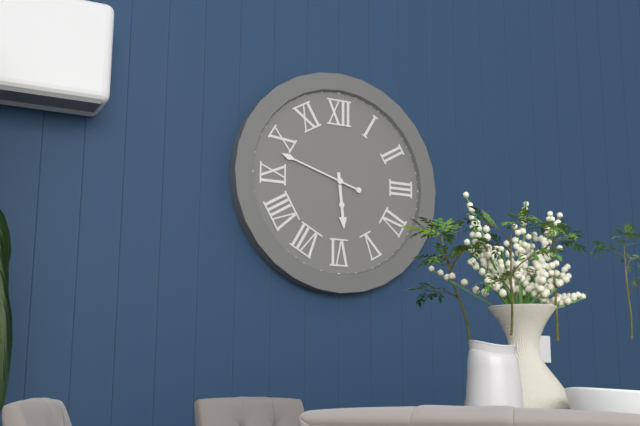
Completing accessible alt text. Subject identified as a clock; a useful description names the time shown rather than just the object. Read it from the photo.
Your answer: 5:48
